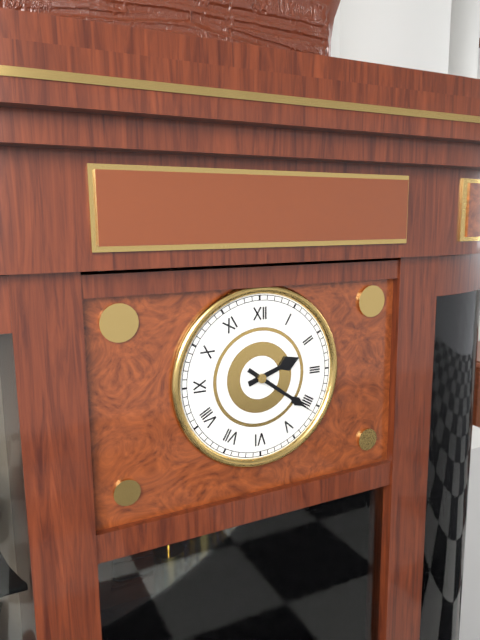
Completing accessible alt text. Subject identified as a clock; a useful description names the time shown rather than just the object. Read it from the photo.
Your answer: 2:21
